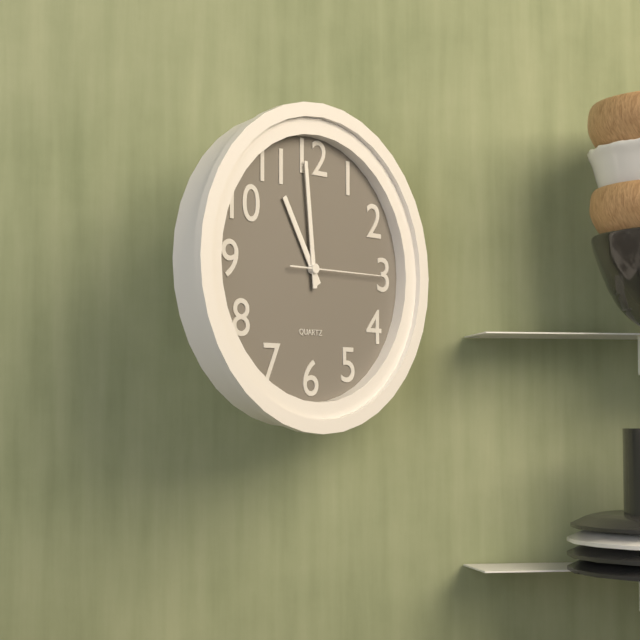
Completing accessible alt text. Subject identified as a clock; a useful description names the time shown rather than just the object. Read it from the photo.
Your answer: 10:59:15
